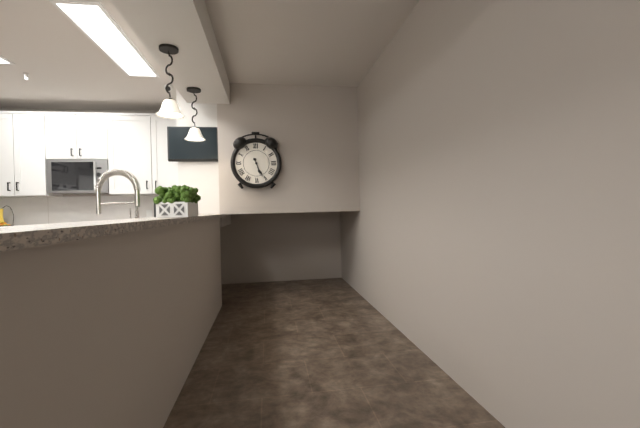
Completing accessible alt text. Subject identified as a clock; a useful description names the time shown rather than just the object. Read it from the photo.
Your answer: 5:26
